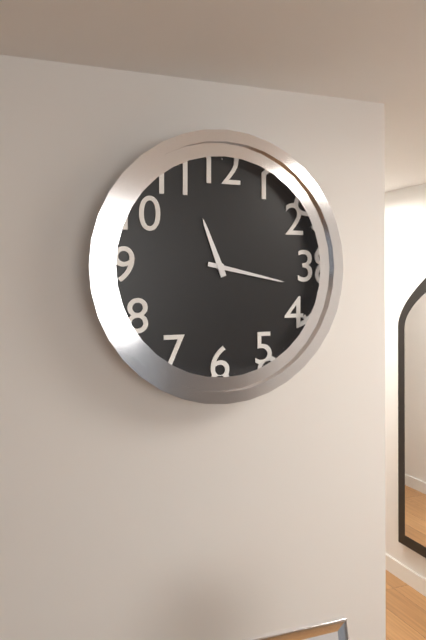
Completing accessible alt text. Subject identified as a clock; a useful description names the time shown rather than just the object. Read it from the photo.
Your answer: 11:17
